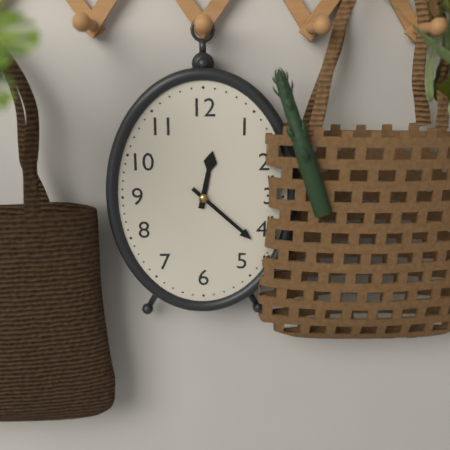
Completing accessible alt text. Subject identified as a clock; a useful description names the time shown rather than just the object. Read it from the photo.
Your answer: 12:22
